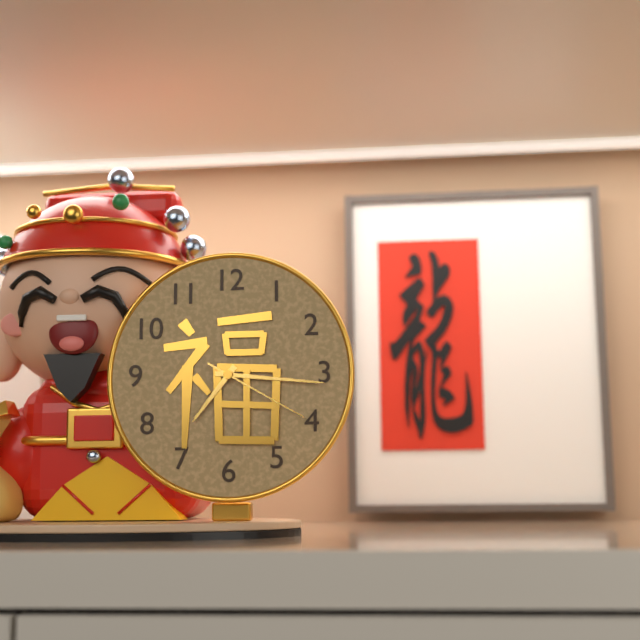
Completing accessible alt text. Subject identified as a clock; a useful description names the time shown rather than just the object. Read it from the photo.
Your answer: 7:16:20
